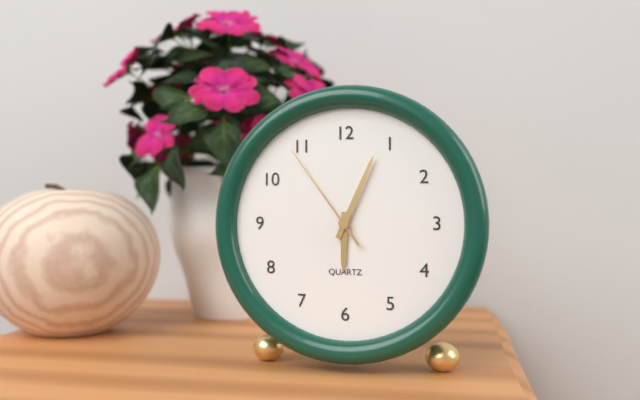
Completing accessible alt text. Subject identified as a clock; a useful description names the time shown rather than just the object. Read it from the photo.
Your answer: 6:04:54
